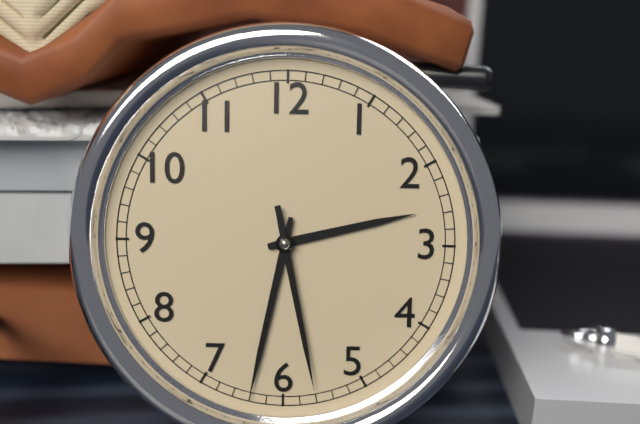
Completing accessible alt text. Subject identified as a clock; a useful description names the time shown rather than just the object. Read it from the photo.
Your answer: 2:32:28
